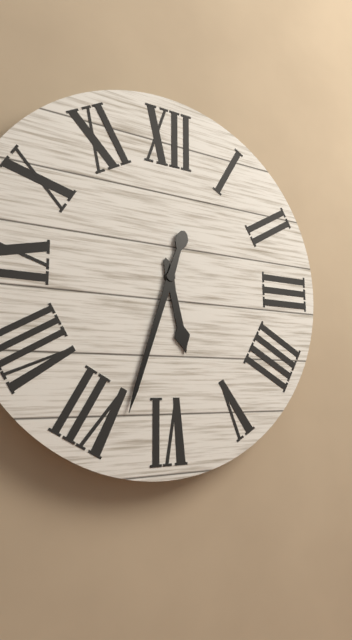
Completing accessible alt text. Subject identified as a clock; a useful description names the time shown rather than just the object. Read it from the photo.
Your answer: 5:33
